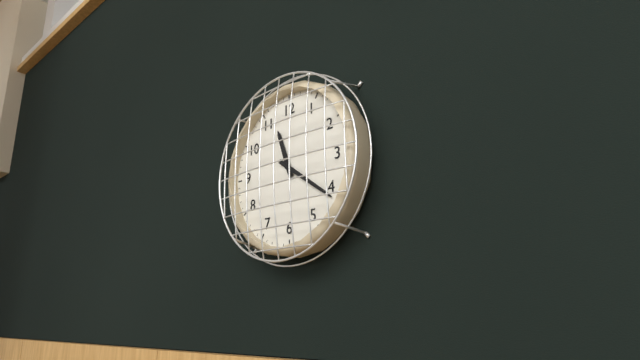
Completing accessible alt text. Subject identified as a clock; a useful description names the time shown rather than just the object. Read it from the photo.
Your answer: 11:21
